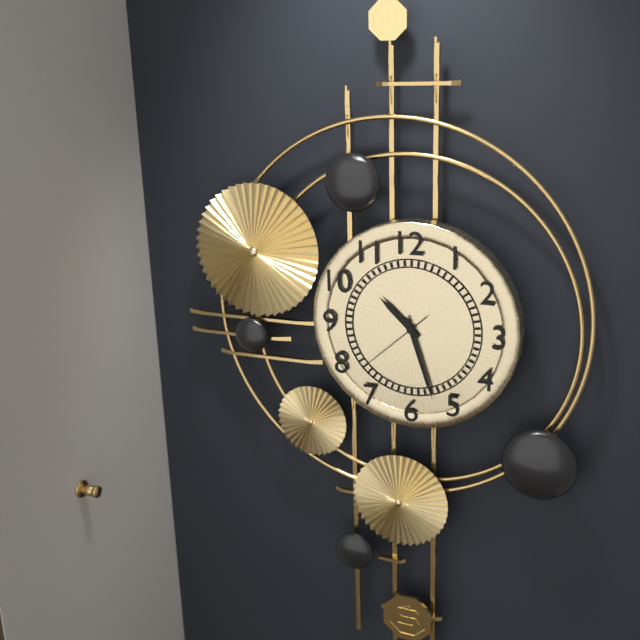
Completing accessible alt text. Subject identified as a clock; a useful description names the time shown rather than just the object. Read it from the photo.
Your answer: 10:27:38
